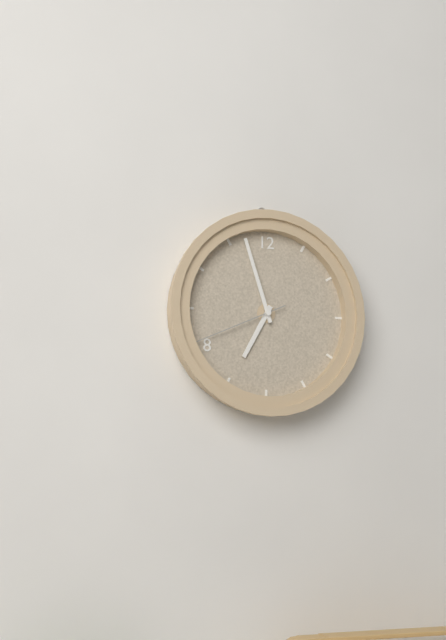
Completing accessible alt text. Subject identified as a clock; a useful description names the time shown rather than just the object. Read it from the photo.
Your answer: 6:57:41
